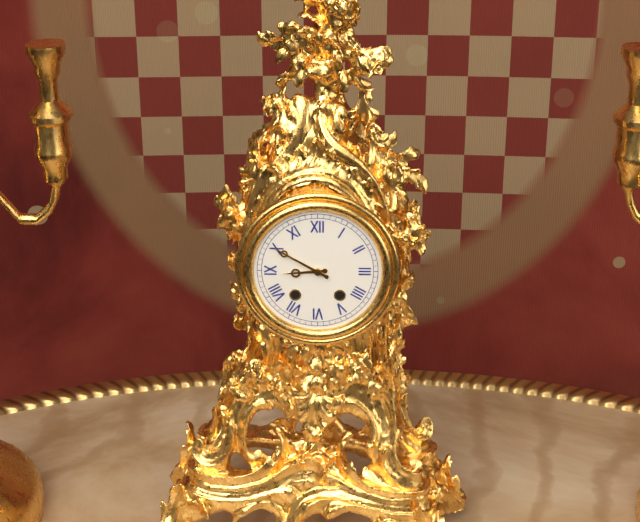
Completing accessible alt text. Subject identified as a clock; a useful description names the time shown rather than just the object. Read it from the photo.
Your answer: 8:50
